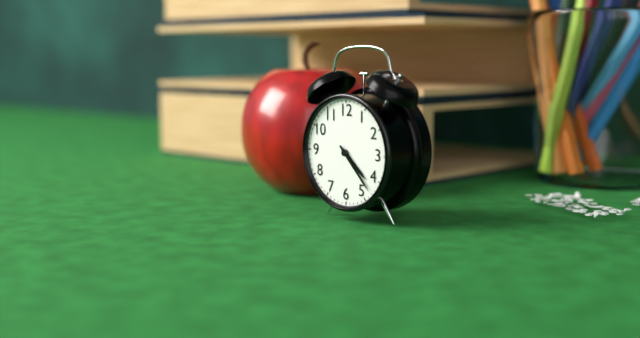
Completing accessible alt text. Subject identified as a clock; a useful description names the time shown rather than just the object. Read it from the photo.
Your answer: 4:23
